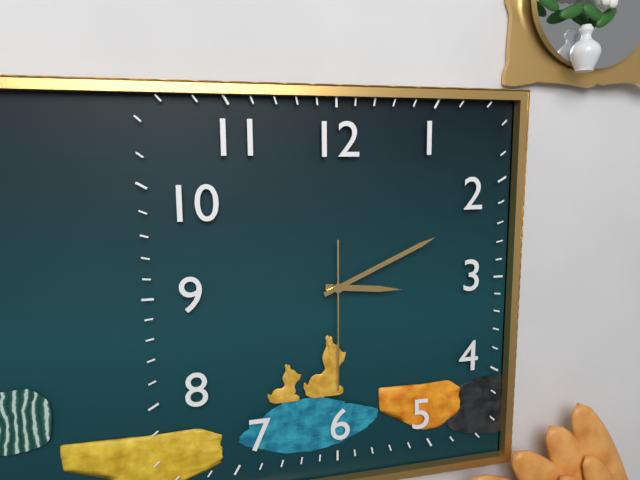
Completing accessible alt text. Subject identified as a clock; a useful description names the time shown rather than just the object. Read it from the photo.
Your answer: 3:11:30
